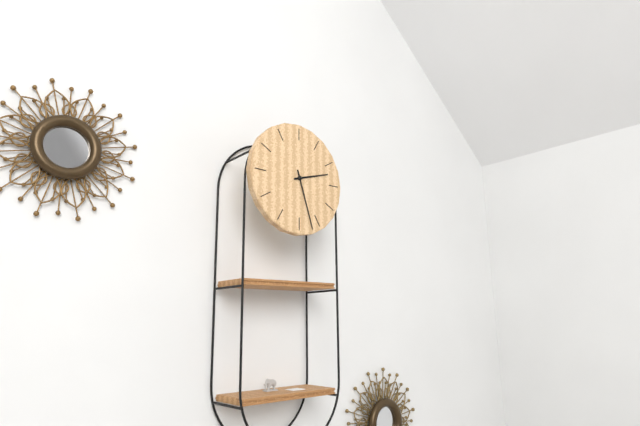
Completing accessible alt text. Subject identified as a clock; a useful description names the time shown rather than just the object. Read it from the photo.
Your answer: 2:27
